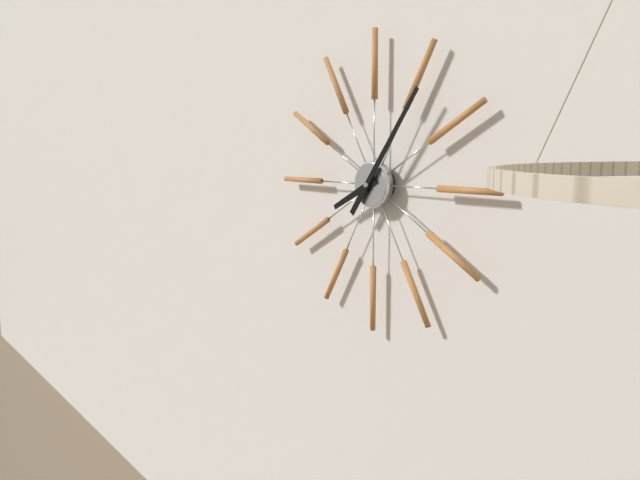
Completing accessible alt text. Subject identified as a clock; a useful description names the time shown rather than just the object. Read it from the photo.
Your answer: 8:06
